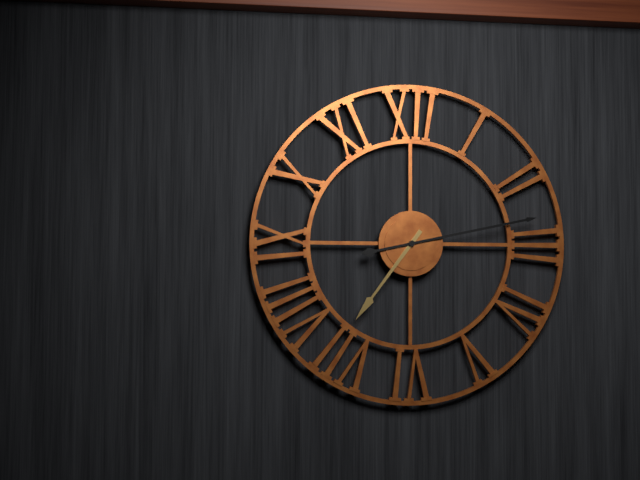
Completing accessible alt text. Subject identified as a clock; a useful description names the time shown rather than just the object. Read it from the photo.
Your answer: 7:13
